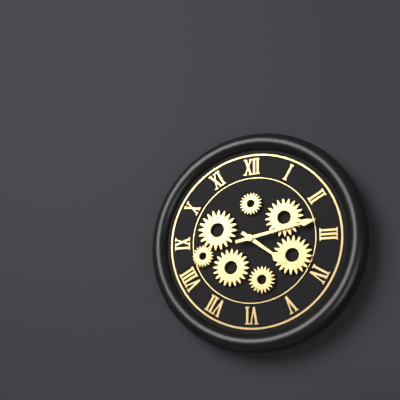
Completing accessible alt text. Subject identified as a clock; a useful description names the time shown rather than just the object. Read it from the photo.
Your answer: 4:13
